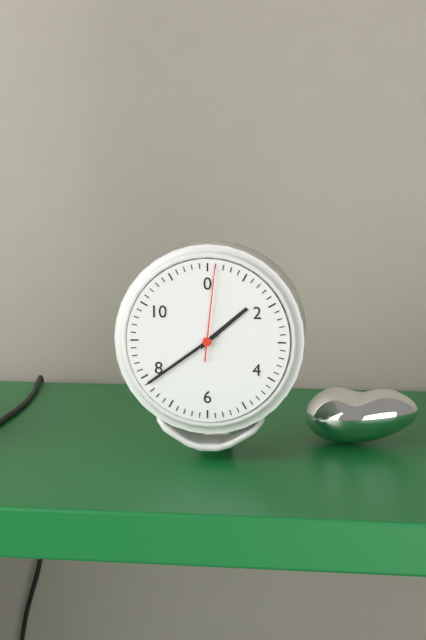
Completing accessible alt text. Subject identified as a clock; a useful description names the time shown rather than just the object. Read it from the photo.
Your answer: 1:39:01
